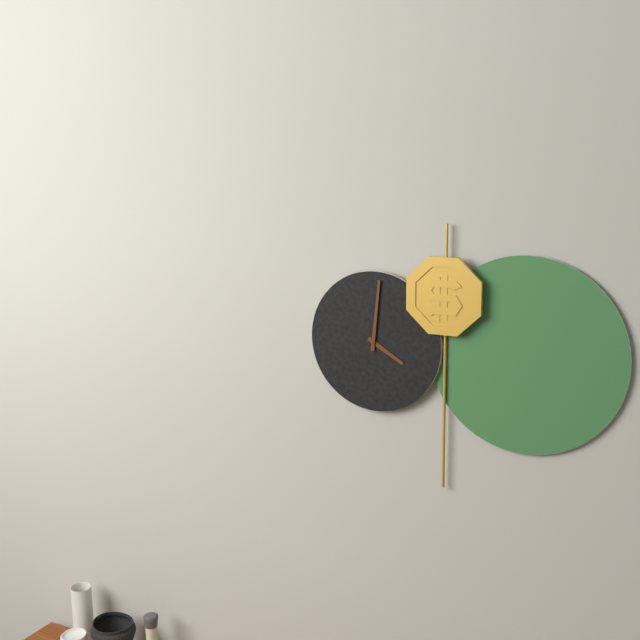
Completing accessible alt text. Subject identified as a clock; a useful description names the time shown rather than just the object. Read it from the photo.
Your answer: 4:01
